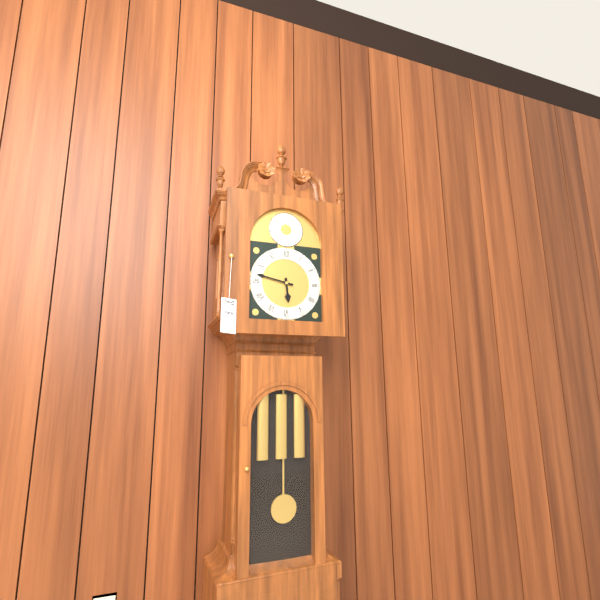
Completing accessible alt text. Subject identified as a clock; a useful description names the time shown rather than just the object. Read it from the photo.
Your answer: 5:47
